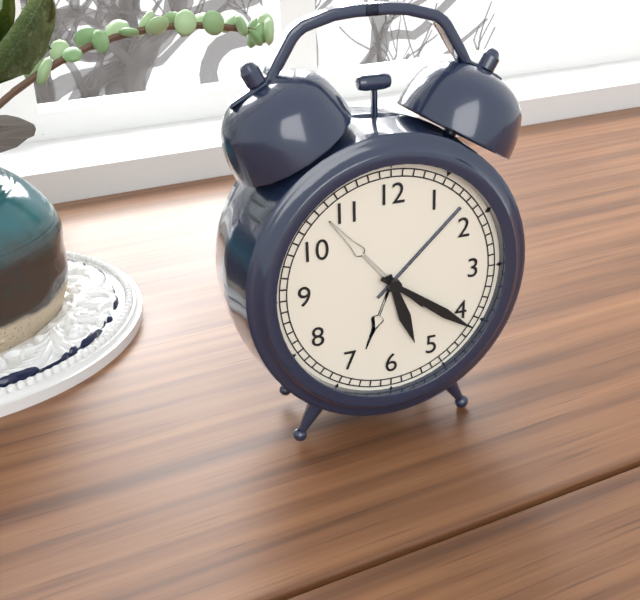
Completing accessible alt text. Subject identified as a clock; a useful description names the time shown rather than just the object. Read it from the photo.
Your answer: 5:21
